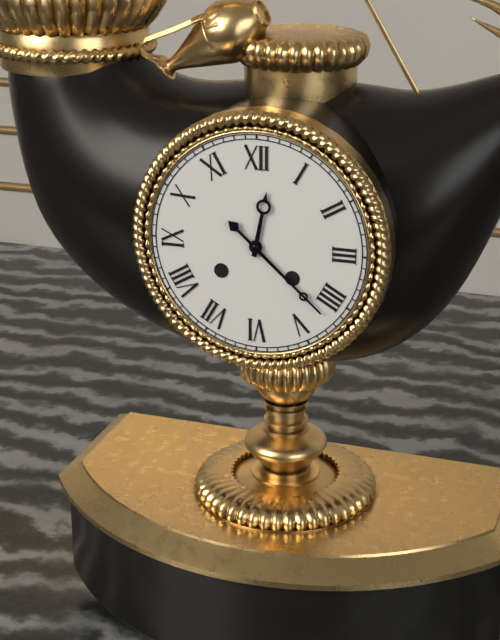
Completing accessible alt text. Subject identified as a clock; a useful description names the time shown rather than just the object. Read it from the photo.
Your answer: 12:22
